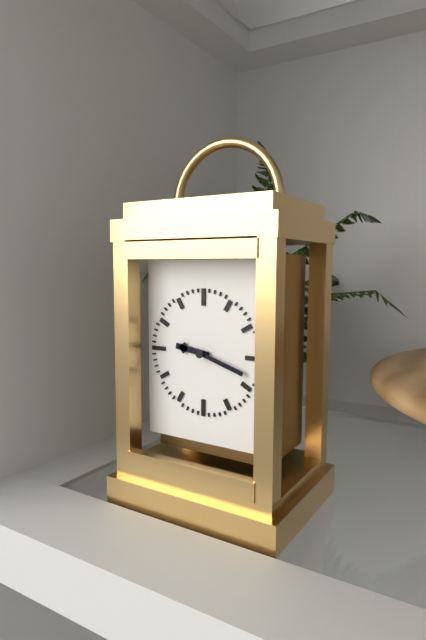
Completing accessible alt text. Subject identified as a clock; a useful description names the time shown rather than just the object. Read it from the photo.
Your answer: 9:18
